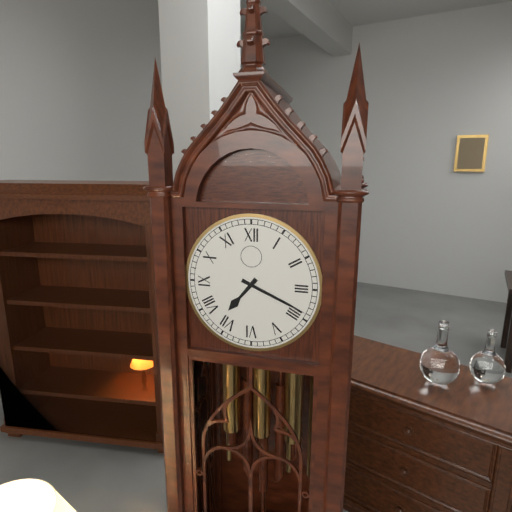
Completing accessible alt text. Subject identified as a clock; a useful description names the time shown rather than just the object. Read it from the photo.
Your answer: 7:19
